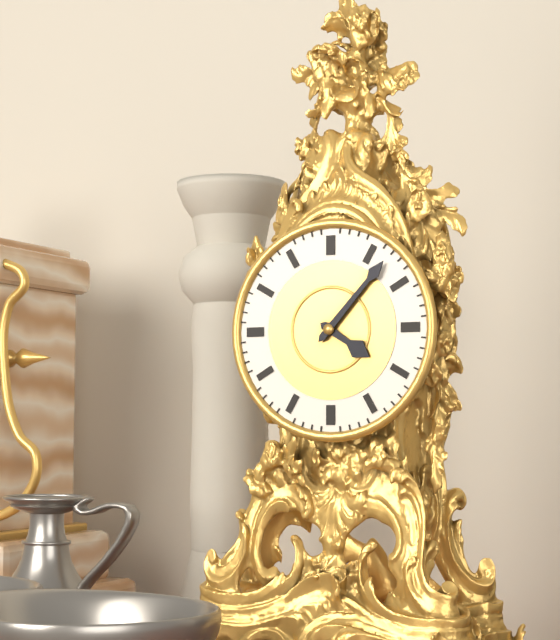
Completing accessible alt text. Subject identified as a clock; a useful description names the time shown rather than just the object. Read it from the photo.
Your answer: 4:07
